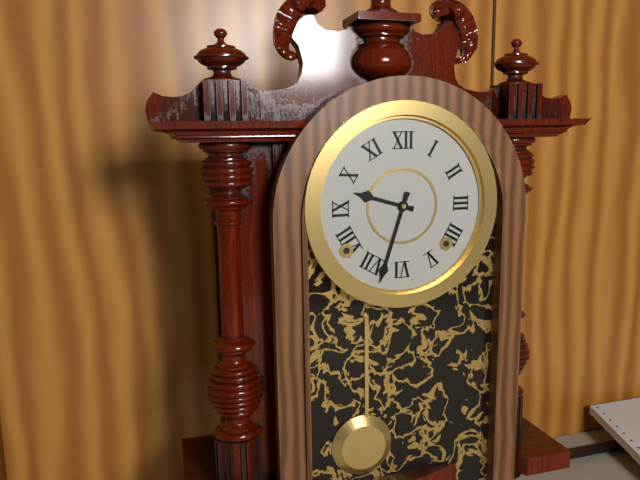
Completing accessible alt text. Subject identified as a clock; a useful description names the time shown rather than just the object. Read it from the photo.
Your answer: 9:33
